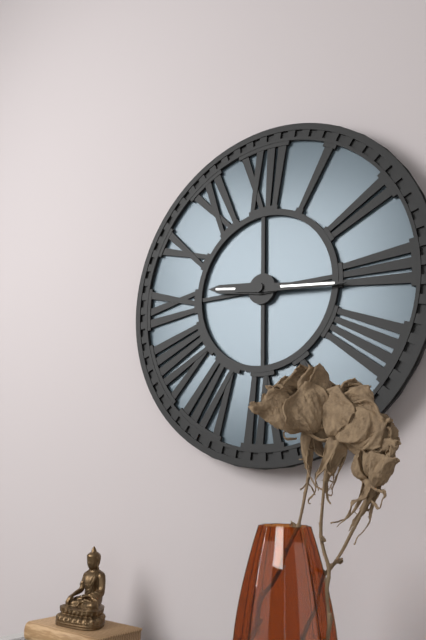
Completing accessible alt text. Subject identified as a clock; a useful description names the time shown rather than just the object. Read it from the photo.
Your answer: 9:16
